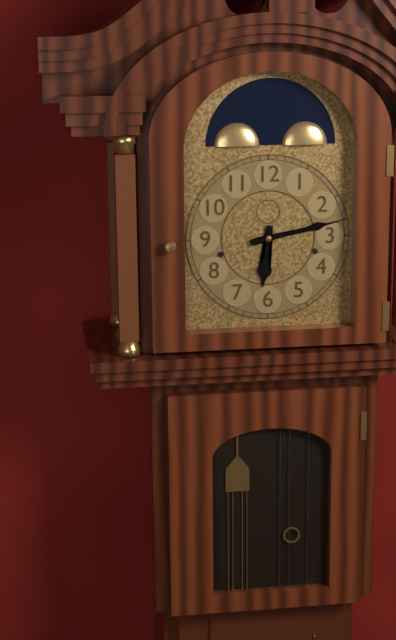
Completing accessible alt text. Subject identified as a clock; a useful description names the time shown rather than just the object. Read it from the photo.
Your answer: 6:13
